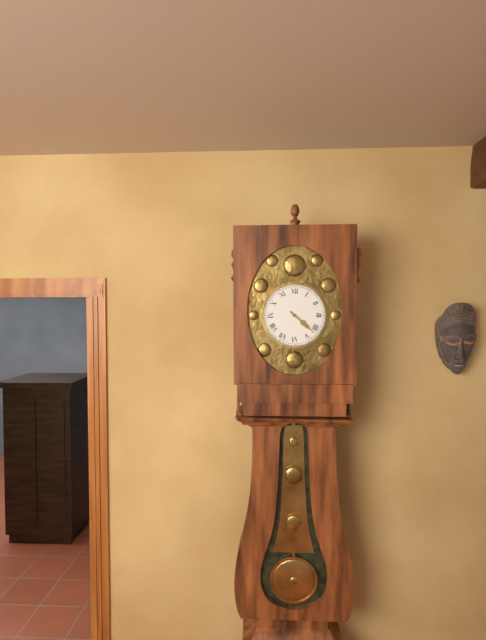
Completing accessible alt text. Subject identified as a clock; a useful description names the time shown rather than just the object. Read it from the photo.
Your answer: 4:22
